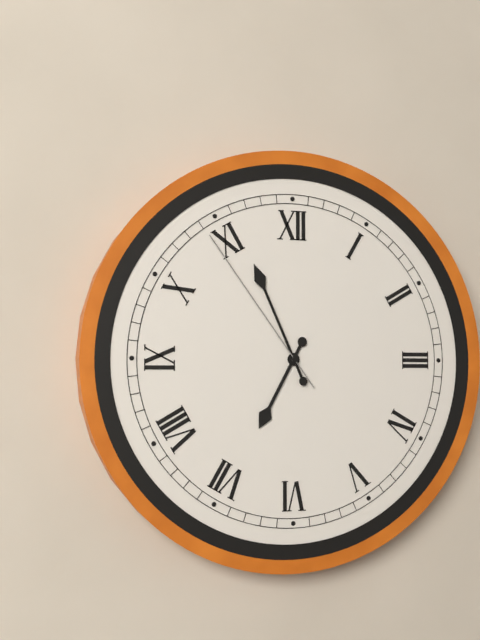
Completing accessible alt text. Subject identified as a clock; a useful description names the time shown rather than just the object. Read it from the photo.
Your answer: 6:56:54
